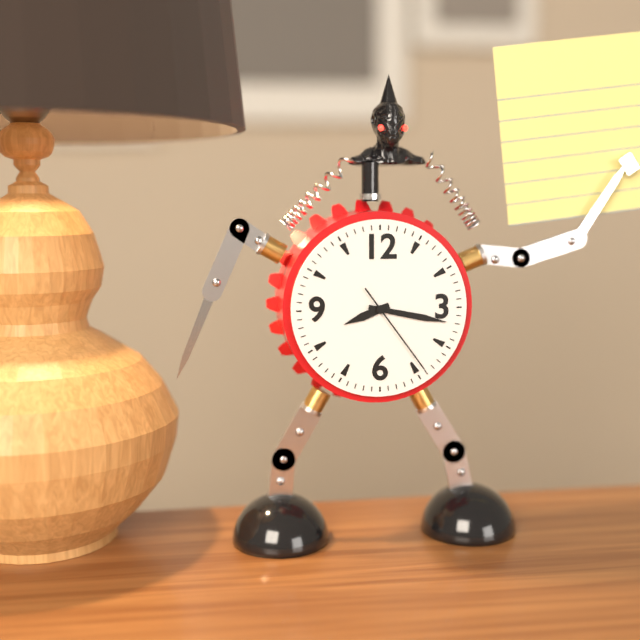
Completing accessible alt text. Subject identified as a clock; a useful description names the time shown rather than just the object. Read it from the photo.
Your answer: 8:17:24
